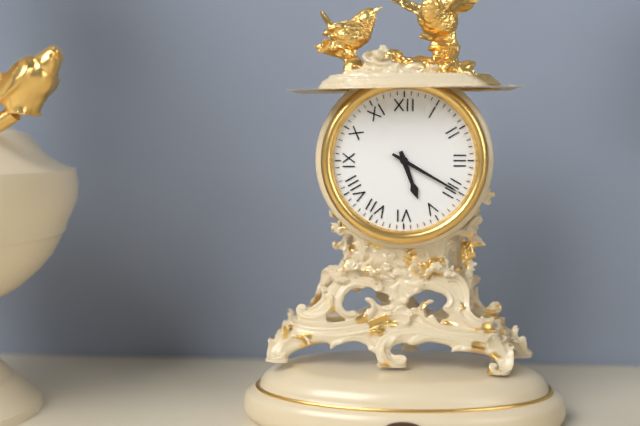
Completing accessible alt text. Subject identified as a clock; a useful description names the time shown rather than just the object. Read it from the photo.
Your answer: 5:20
